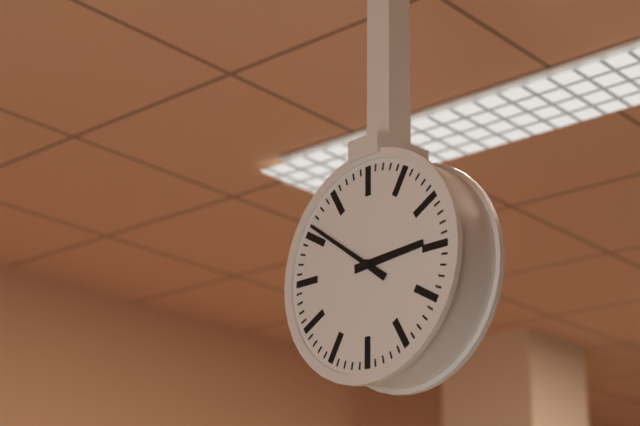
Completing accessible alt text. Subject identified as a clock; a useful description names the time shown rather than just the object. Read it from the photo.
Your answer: 2:51
